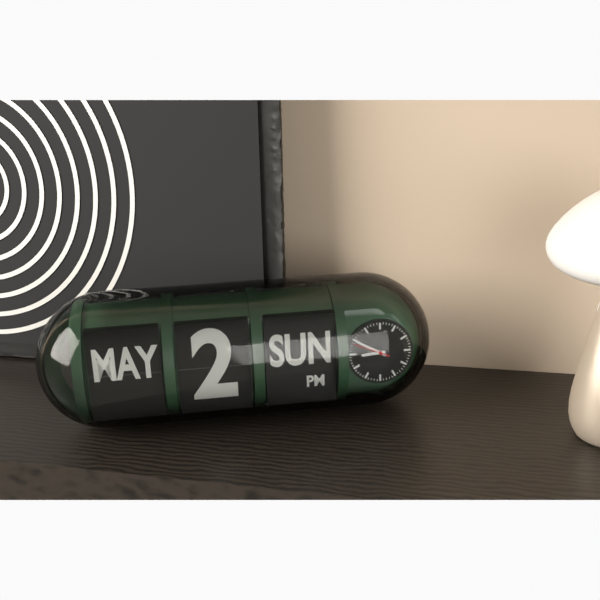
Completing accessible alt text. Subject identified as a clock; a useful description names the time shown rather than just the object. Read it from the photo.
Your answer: 8:50
